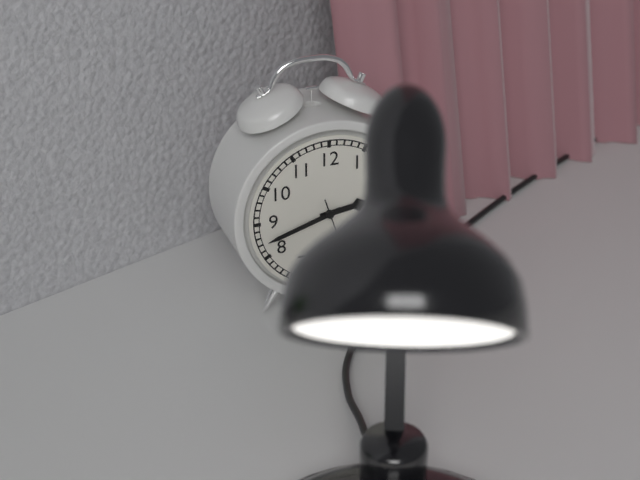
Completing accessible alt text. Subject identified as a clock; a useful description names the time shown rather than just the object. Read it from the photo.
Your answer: 2:42
